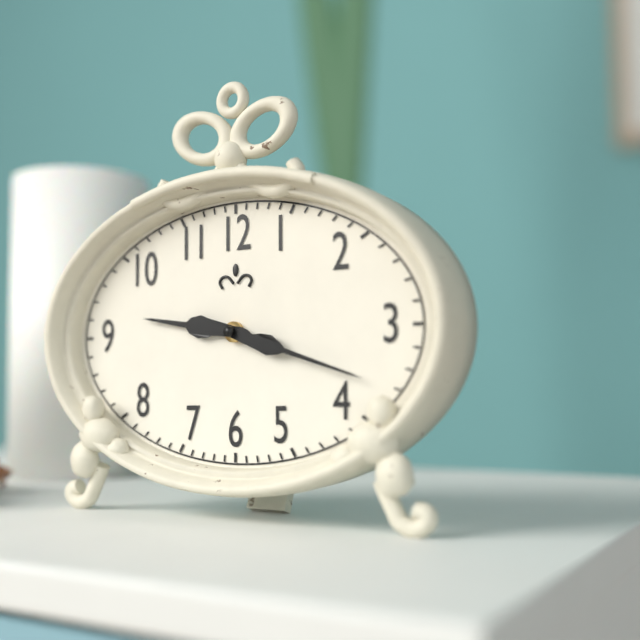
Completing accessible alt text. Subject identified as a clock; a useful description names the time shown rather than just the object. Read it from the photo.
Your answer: 9:18
